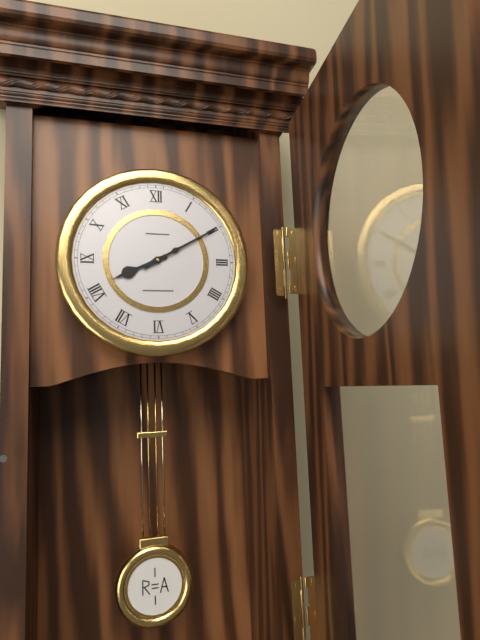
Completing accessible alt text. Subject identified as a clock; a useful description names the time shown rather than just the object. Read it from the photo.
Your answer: 8:10
